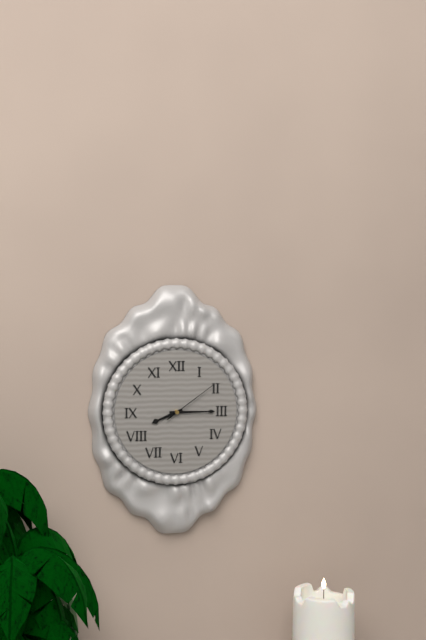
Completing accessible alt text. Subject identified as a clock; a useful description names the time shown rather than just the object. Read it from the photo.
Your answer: 8:15:09
